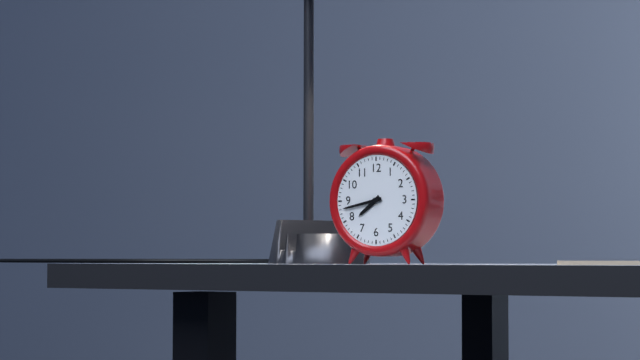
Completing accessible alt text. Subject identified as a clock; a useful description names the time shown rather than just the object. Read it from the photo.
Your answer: 7:43
